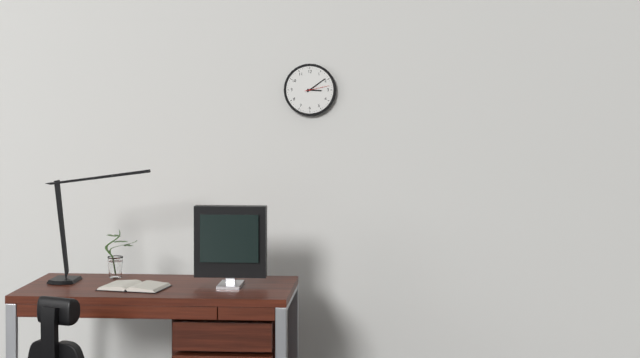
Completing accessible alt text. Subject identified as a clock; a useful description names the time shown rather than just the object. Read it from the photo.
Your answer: 3:09
